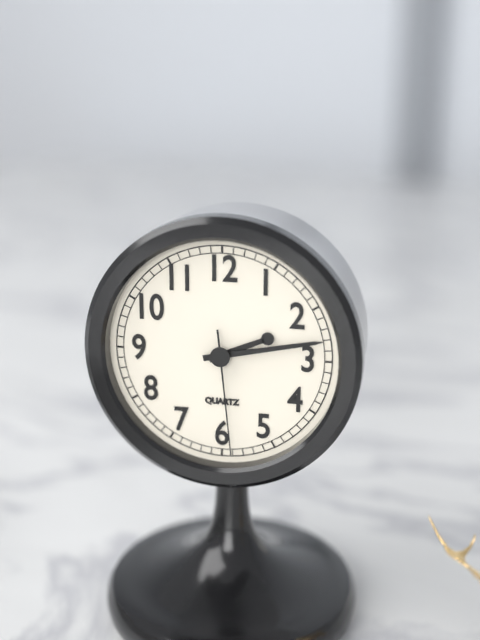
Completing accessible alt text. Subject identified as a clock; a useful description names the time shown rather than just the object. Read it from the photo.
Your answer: 2:13:29
